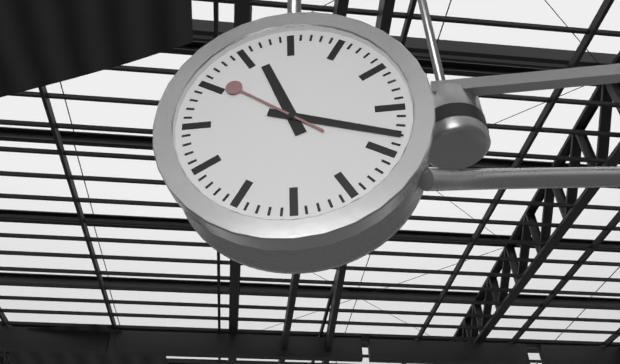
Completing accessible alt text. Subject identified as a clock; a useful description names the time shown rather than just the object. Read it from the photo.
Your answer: 11:18:51
